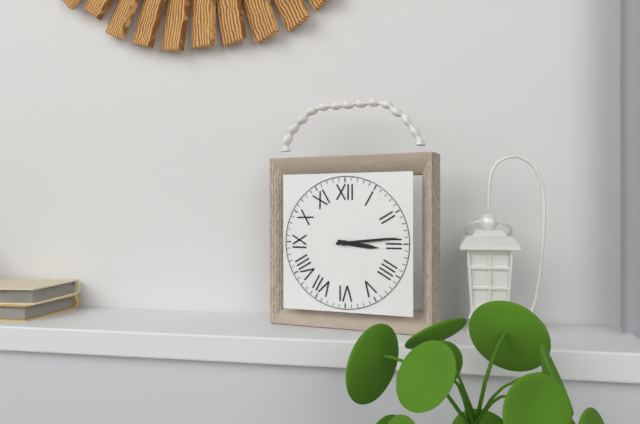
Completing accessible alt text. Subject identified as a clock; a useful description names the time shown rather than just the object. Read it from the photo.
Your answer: 3:14
